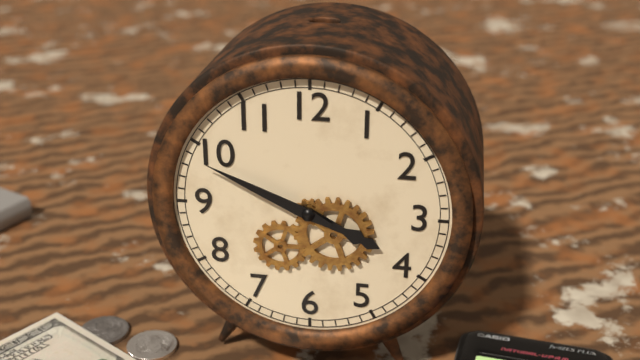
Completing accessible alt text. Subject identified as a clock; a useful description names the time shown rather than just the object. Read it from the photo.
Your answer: 3:49
